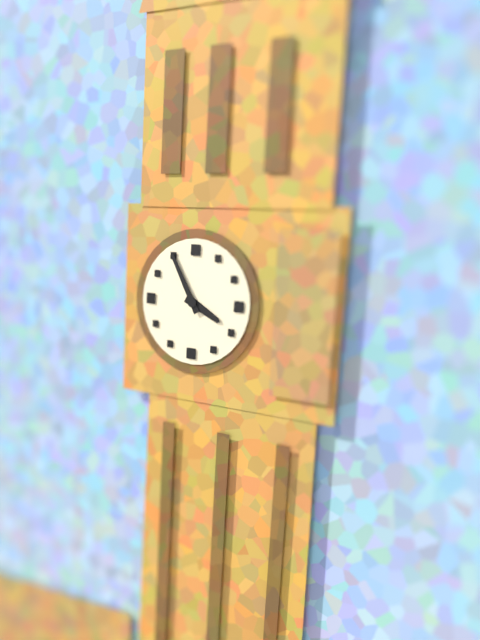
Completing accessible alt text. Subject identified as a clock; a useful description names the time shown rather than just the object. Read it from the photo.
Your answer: 3:55
